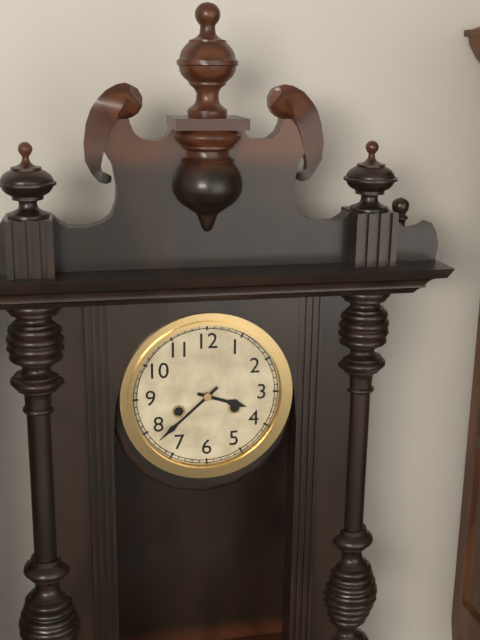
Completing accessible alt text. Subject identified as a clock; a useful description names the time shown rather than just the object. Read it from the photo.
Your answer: 3:38
